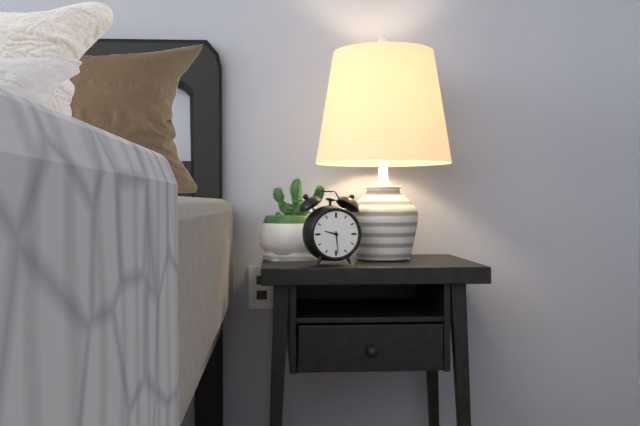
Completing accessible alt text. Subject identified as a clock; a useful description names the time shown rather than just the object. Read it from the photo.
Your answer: 9:29
